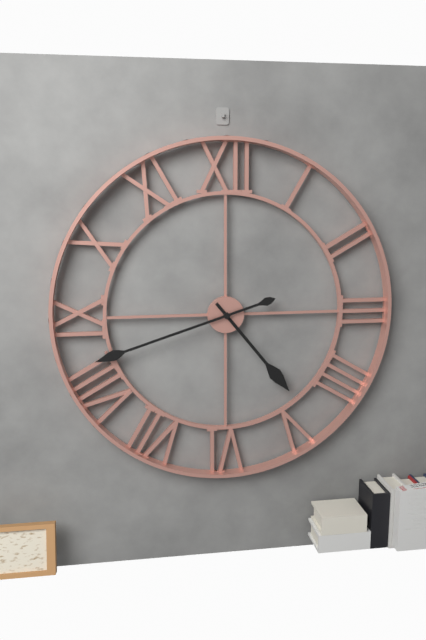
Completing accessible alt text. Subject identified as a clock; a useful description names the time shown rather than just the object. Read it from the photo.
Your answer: 4:42
